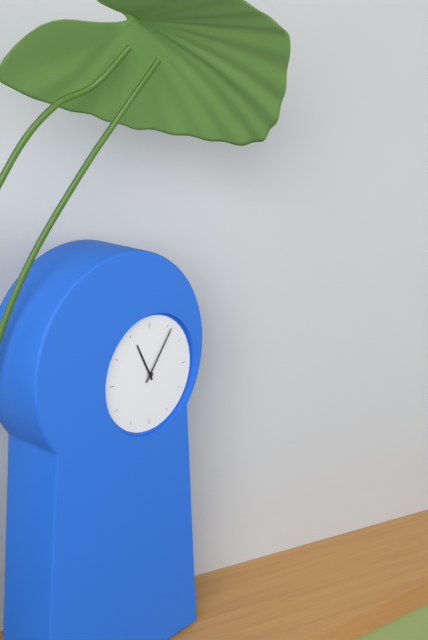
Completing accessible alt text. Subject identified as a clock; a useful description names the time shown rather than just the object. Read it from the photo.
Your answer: 11:06
